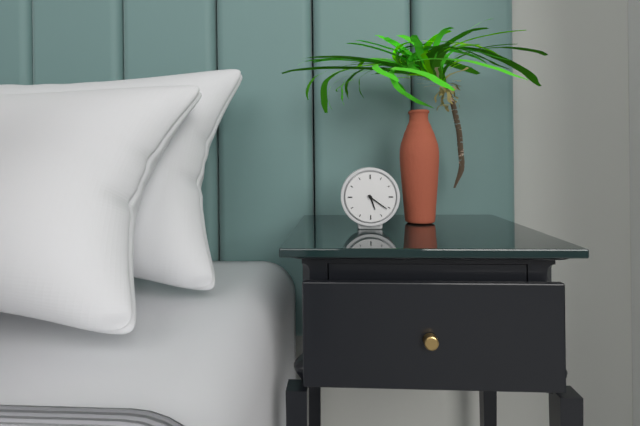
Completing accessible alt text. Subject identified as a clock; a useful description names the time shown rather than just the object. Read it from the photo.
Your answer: 5:21
